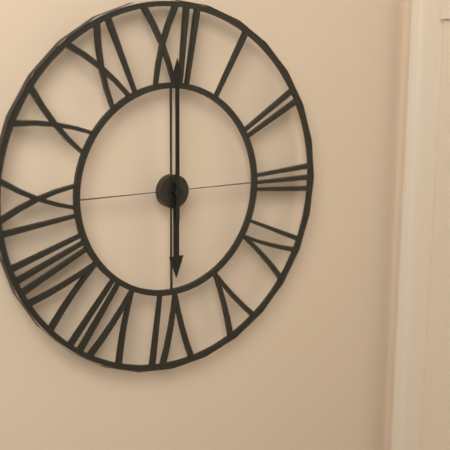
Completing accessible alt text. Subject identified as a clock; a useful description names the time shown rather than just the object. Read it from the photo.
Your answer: 6:00
